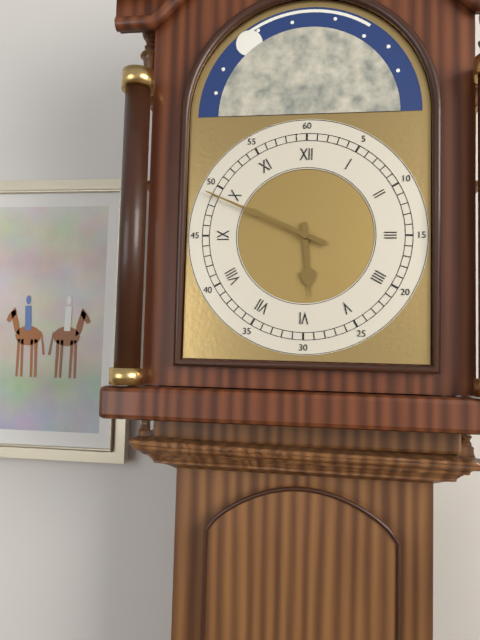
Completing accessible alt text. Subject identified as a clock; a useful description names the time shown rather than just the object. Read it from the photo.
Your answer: 5:49
